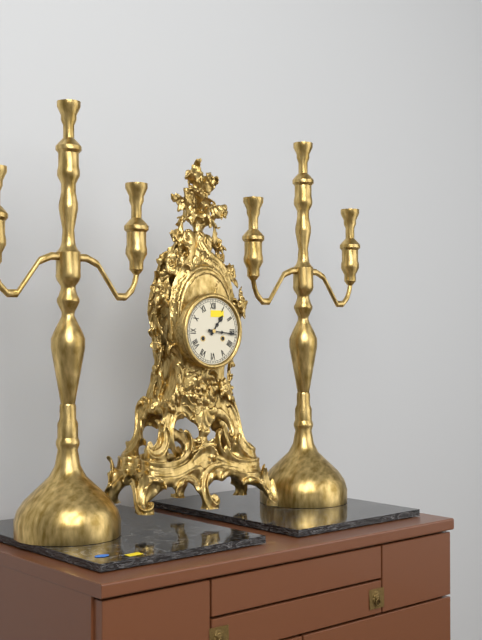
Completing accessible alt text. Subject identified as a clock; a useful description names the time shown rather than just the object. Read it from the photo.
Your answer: 1:16
